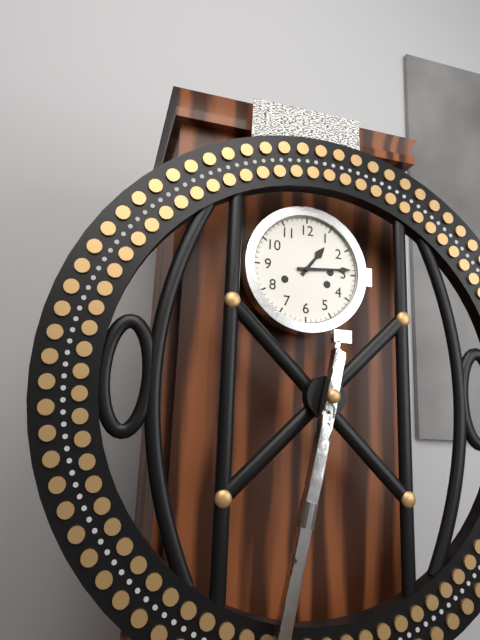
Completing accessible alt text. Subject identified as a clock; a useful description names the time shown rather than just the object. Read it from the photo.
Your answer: 1:14
